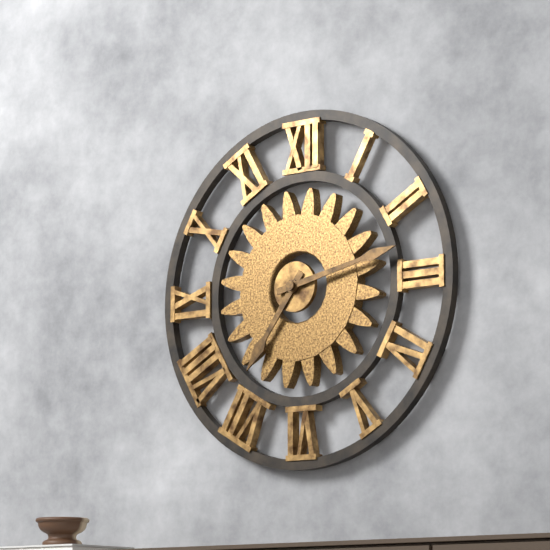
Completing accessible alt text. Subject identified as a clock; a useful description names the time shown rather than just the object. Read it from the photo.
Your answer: 7:13
